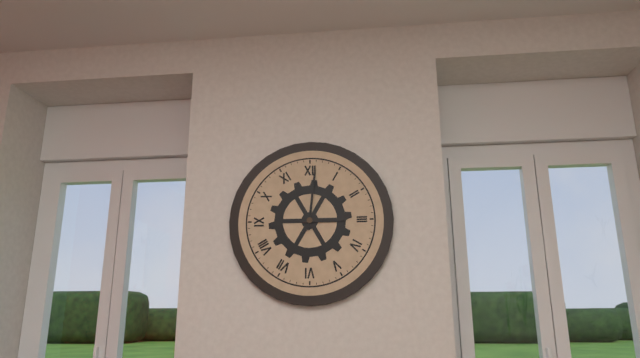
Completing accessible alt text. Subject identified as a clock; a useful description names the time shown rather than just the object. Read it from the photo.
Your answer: 3:01
